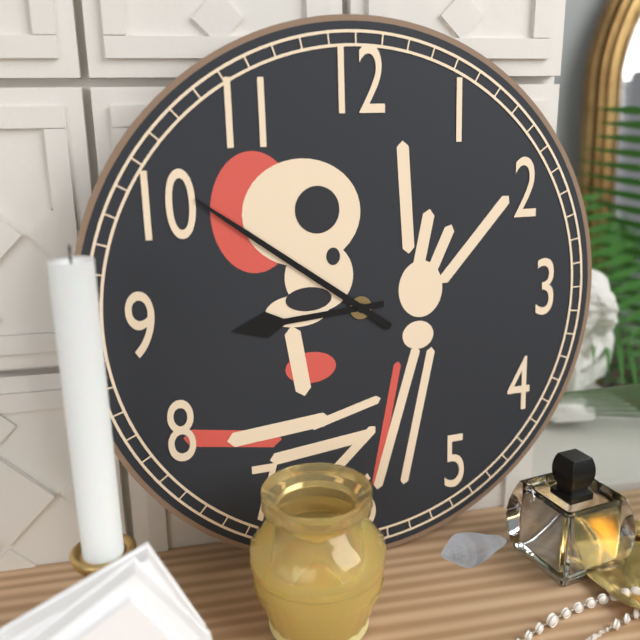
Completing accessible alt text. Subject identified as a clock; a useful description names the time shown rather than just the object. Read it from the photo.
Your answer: 8:51
